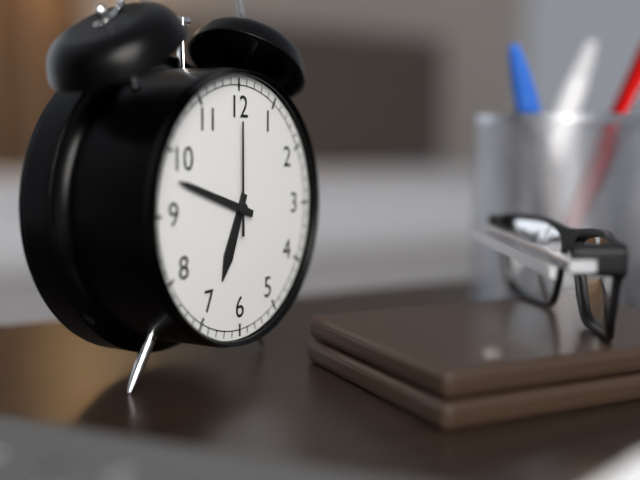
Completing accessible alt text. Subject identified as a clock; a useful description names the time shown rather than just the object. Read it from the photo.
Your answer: 6:48:00
